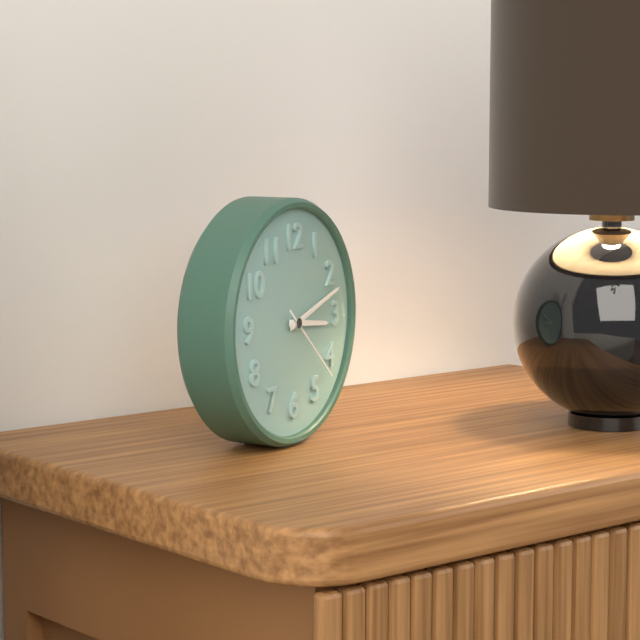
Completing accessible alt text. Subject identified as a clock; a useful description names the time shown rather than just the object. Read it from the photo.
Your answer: 3:12:22
